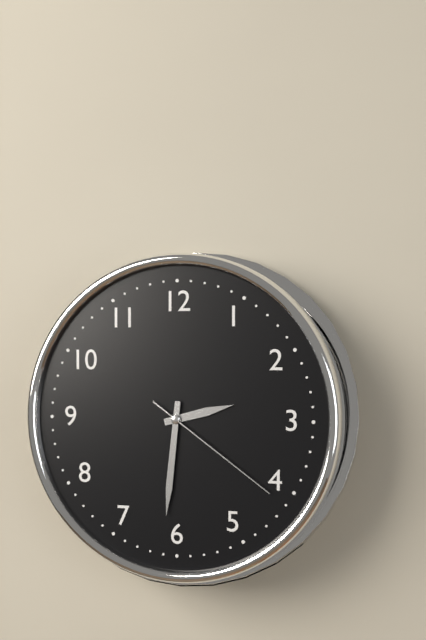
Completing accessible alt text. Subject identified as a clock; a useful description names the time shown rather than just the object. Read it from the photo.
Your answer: 2:31:21
